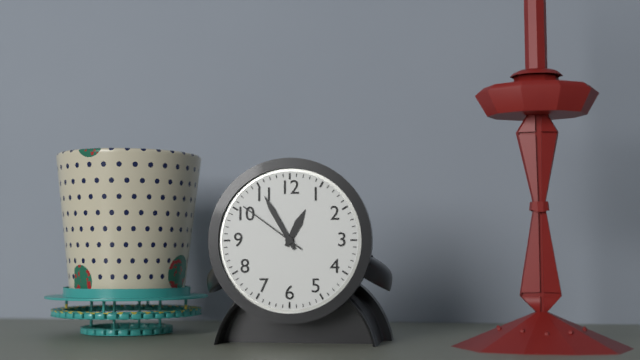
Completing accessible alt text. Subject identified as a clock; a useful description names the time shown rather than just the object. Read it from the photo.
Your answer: 12:55:51
